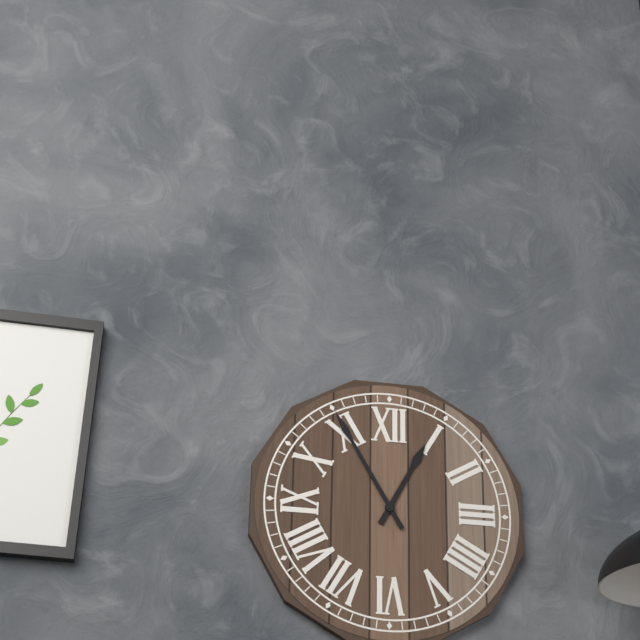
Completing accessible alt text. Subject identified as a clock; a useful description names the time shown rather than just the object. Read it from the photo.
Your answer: 12:55
